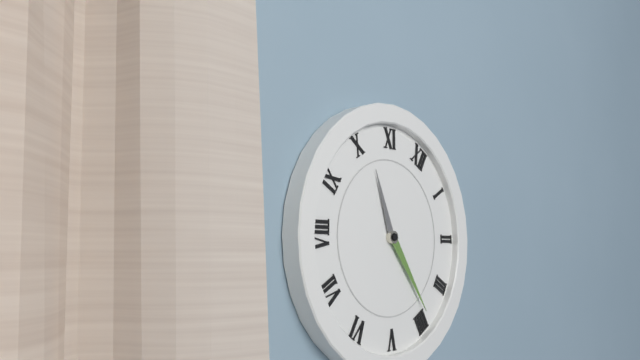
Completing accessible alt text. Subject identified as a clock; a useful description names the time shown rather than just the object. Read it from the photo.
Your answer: 10:19
